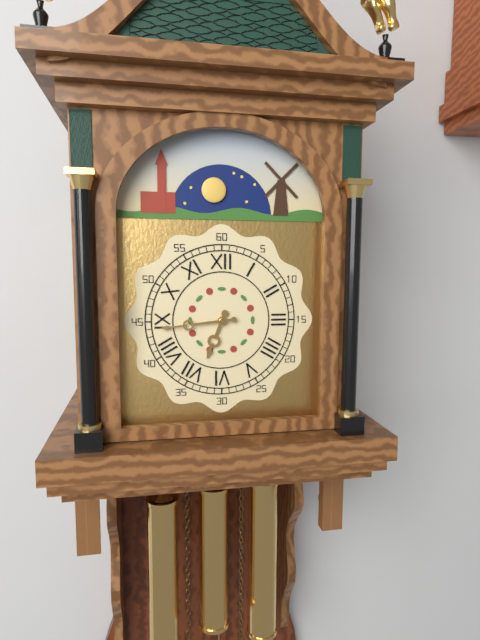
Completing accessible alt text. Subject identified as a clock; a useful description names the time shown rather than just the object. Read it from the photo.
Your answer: 6:44
